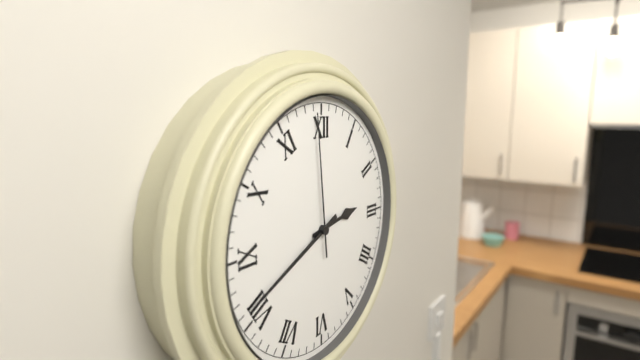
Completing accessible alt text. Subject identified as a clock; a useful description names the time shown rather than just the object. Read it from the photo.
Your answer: 2:41:59
